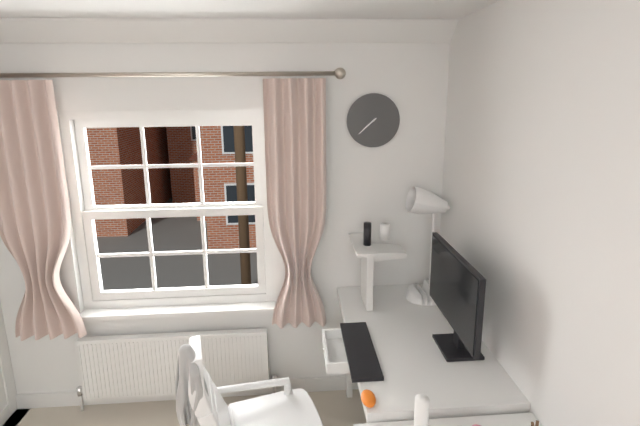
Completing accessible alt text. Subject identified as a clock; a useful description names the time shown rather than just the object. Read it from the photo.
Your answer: 7:38
